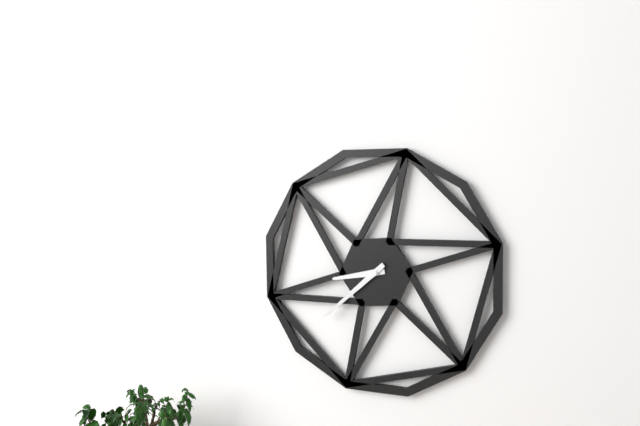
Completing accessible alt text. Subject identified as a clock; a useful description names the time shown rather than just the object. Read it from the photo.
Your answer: 8:38
